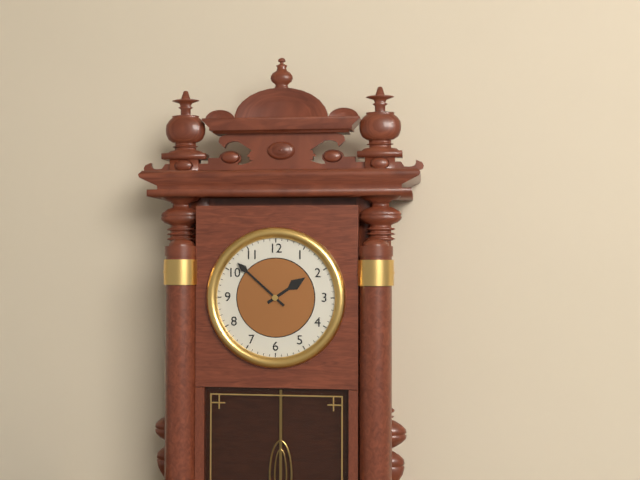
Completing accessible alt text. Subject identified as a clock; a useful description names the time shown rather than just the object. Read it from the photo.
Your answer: 1:52
